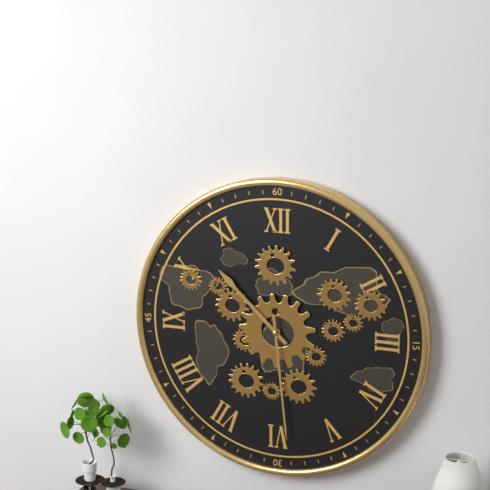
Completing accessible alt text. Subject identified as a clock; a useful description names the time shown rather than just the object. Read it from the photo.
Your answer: 10:29
